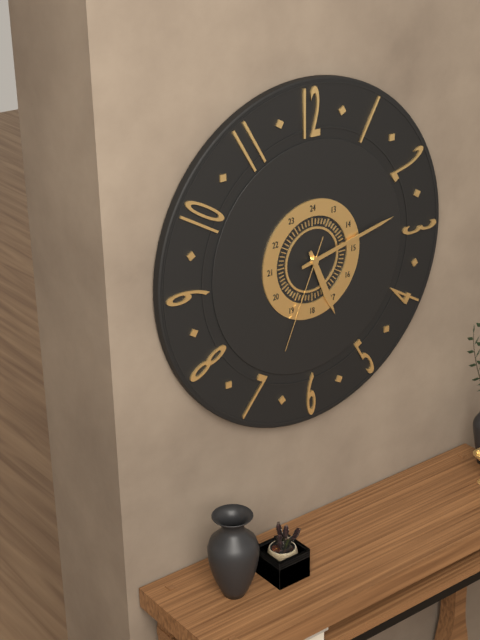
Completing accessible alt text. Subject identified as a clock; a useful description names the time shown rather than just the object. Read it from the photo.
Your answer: 5:13:34
